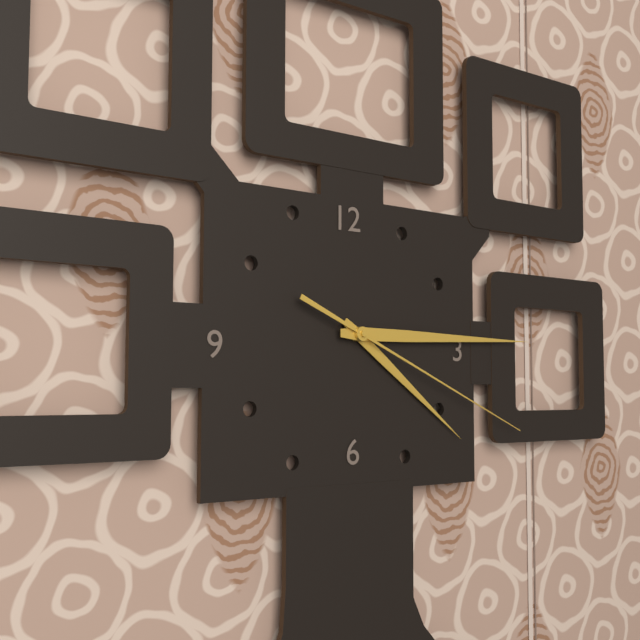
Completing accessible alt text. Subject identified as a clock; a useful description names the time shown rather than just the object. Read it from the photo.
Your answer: 4:15:19
